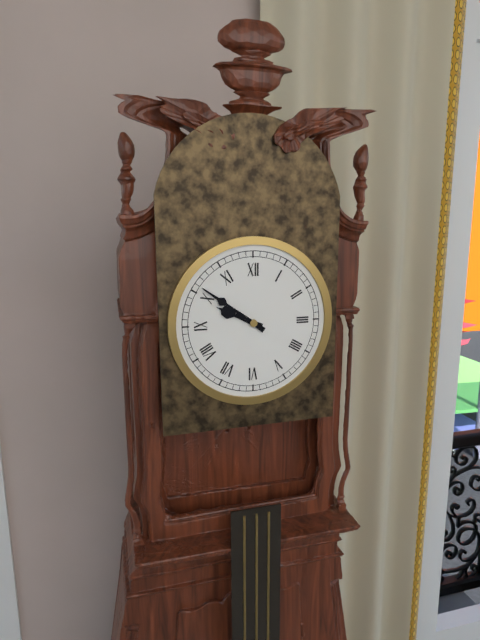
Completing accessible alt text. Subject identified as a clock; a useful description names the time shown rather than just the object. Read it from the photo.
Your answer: 9:51
